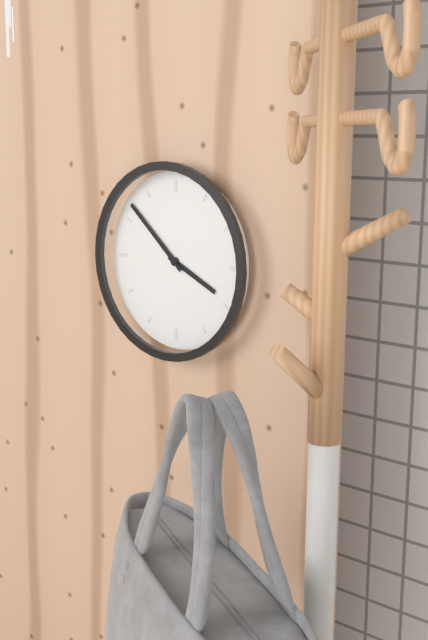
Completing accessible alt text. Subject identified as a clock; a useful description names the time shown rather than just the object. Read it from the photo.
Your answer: 3:52
